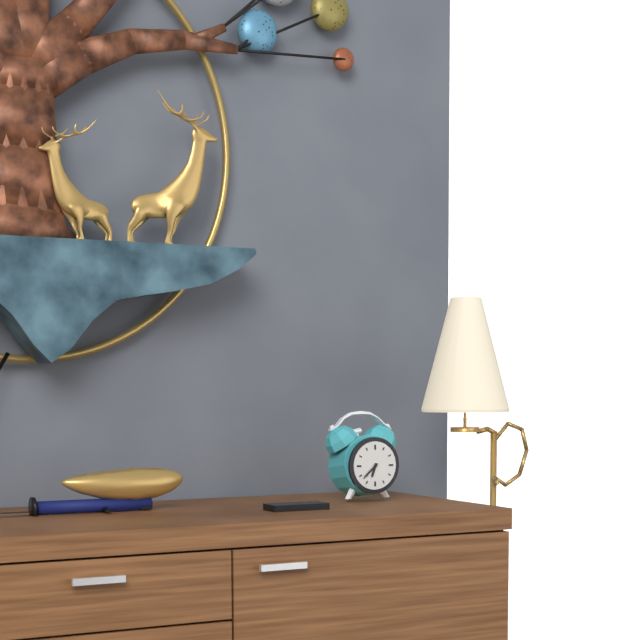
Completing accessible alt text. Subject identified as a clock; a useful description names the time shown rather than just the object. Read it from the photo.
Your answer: 6:38
